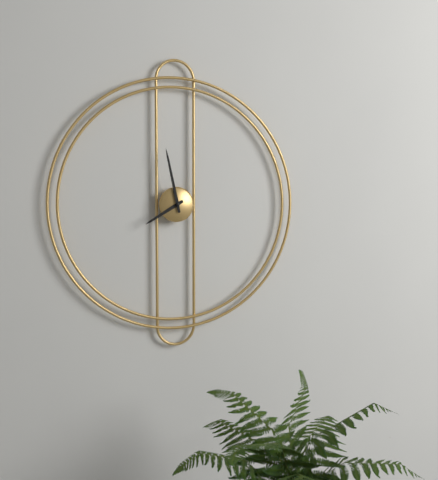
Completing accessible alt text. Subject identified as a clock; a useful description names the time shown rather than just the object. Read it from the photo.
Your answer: 7:58
